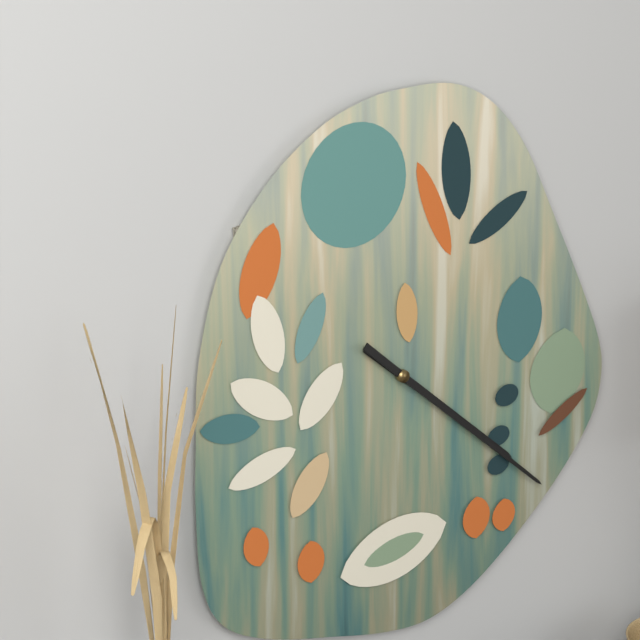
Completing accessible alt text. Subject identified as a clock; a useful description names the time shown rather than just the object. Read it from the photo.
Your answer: 4:22
